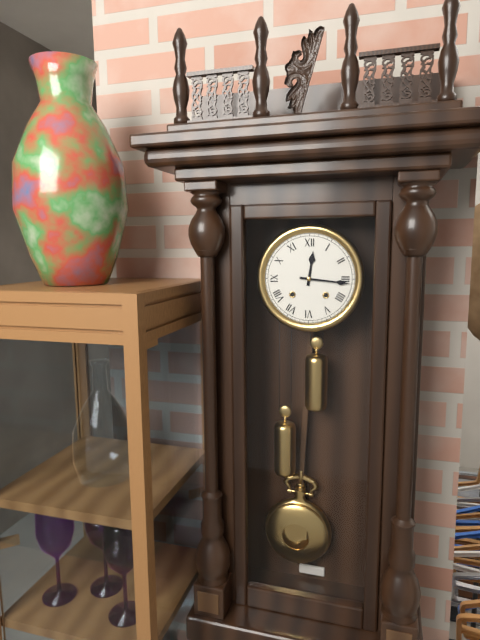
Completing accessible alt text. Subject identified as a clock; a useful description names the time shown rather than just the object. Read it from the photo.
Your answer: 12:16
